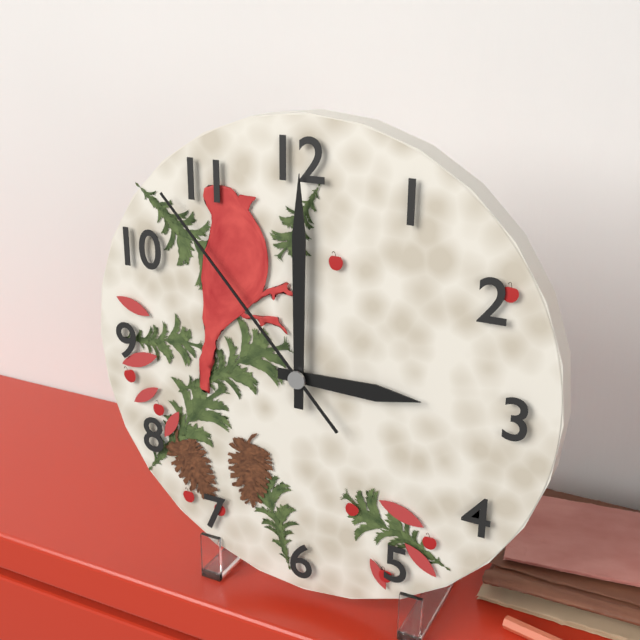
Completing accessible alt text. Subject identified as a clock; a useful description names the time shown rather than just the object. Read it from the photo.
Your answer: 3:00:53
